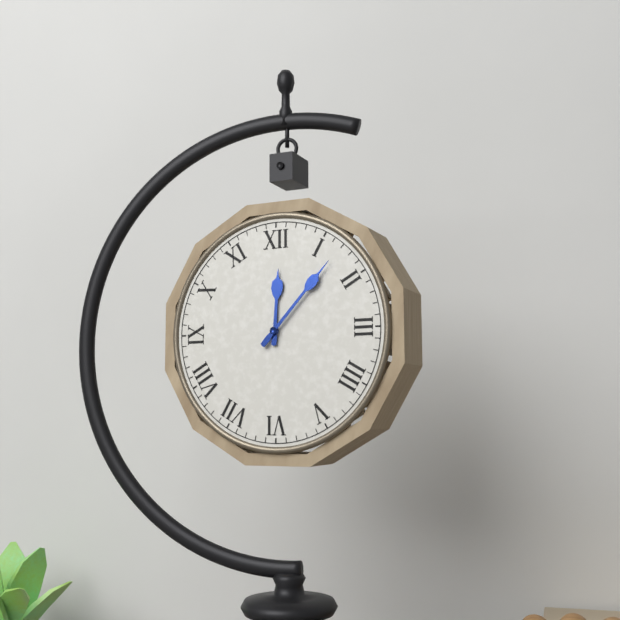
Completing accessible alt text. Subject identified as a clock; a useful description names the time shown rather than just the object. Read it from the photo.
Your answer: 12:07
